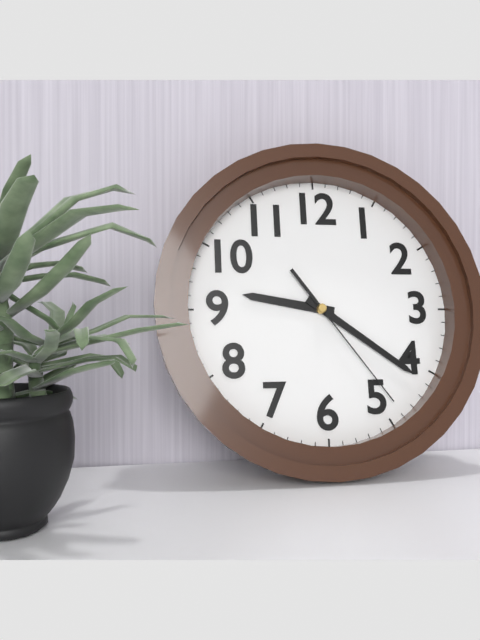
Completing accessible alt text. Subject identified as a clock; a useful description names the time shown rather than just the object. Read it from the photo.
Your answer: 9:21:24
